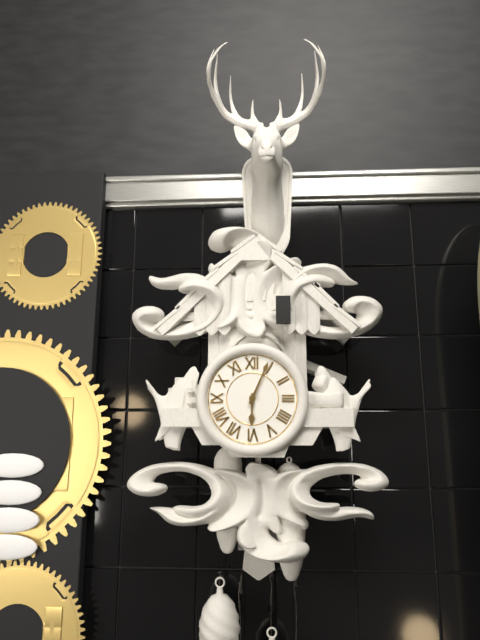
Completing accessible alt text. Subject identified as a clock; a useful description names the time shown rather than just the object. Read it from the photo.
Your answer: 6:04
